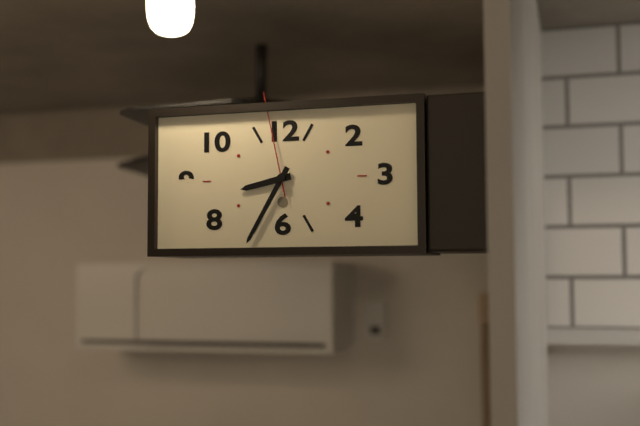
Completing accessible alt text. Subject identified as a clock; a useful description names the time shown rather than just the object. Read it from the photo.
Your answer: 8:35:58
